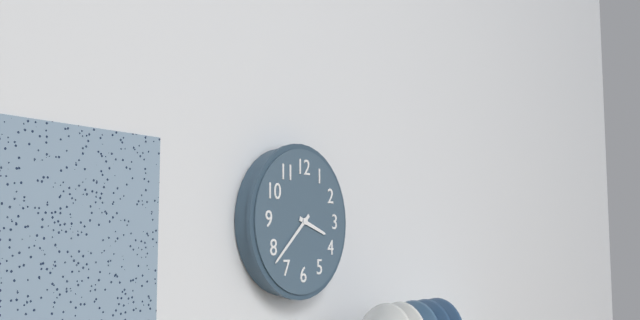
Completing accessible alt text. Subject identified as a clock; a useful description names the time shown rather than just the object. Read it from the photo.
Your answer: 3:38
